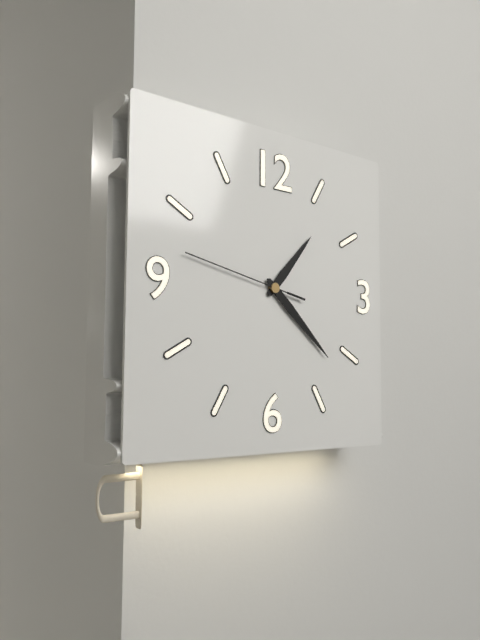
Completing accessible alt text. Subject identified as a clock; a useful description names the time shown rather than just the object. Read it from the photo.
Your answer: 1:22:47
